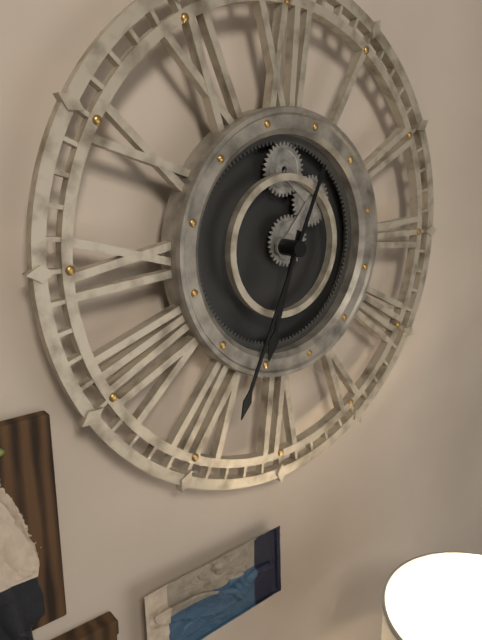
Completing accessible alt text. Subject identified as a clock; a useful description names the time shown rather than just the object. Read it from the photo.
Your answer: 6:34
